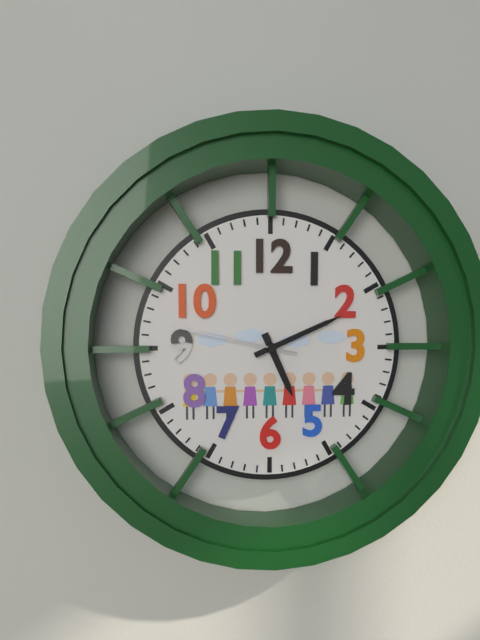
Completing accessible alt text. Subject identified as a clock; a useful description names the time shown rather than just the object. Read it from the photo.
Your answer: 5:11:47
